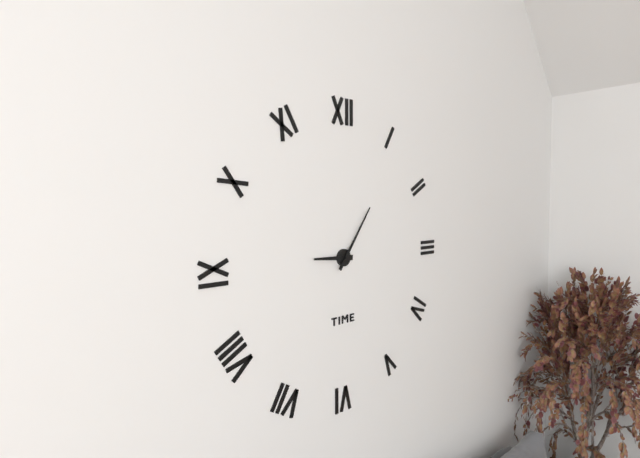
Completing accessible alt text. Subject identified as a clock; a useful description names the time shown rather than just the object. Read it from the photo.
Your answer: 9:06
